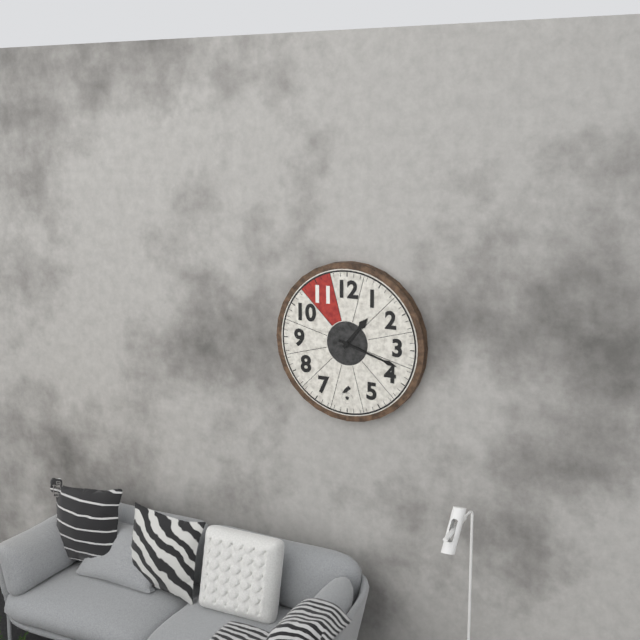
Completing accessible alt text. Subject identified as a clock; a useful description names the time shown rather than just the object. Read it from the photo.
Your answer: 1:18
